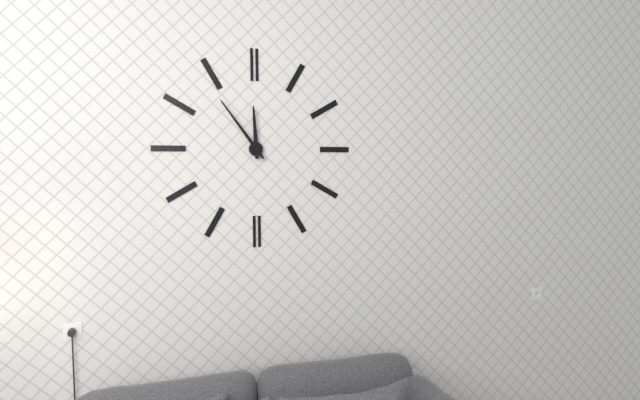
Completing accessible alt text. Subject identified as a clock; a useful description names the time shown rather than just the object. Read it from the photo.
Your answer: 11:54
